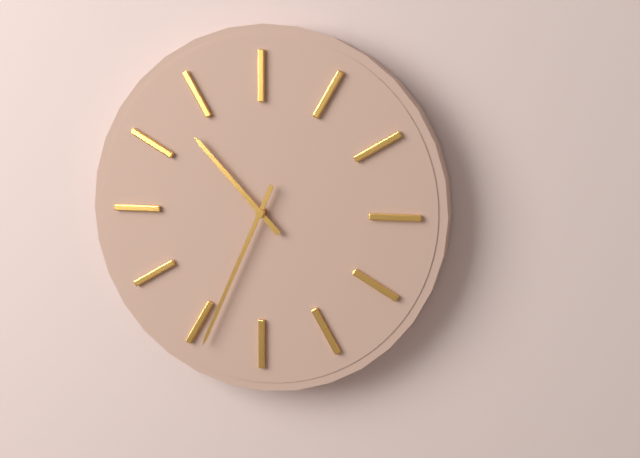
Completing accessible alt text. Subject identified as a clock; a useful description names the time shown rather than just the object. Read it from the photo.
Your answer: 10:34
